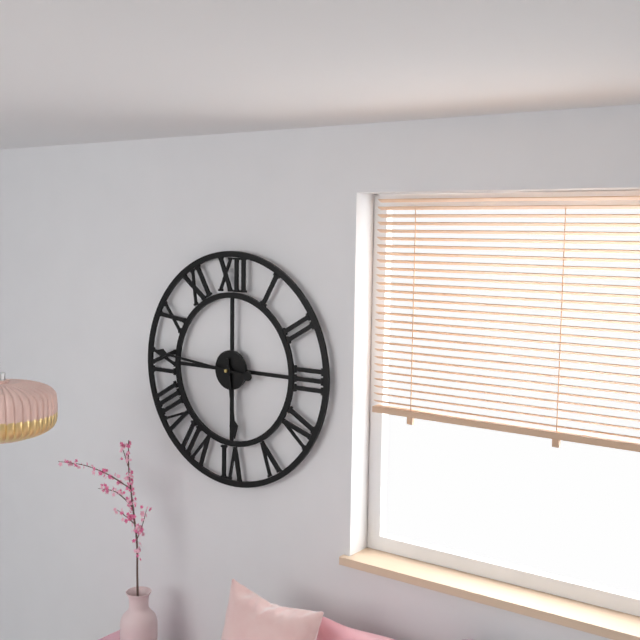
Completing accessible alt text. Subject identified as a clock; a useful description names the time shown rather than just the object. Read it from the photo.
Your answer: 5:46
